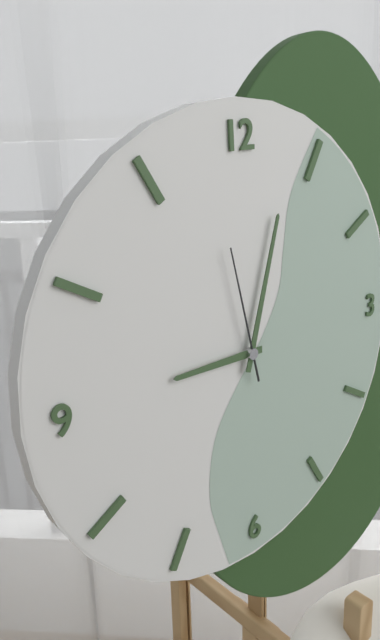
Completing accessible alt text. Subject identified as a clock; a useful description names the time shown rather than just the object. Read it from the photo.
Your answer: 9:03:58
